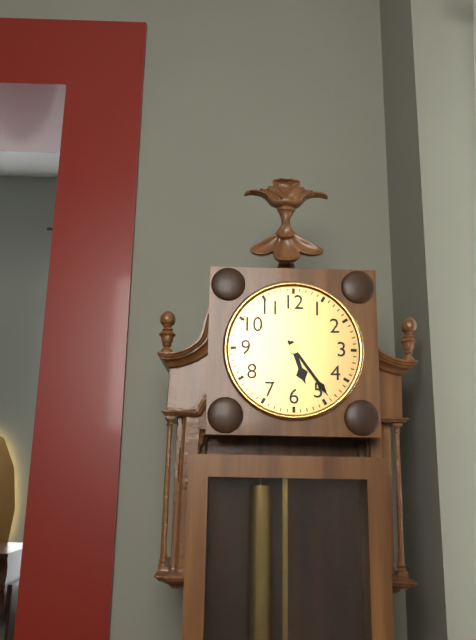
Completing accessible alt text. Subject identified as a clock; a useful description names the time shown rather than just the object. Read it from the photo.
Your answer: 5:24
